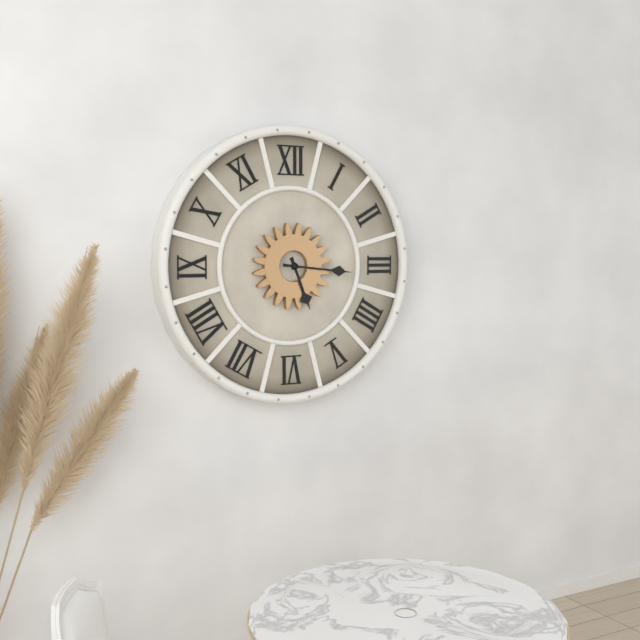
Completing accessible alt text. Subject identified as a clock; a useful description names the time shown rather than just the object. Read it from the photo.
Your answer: 5:16
